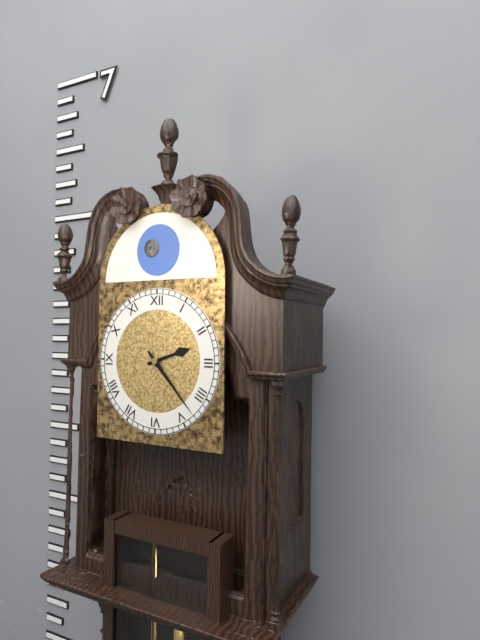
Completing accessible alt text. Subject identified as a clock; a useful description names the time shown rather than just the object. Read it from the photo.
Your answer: 2:23
